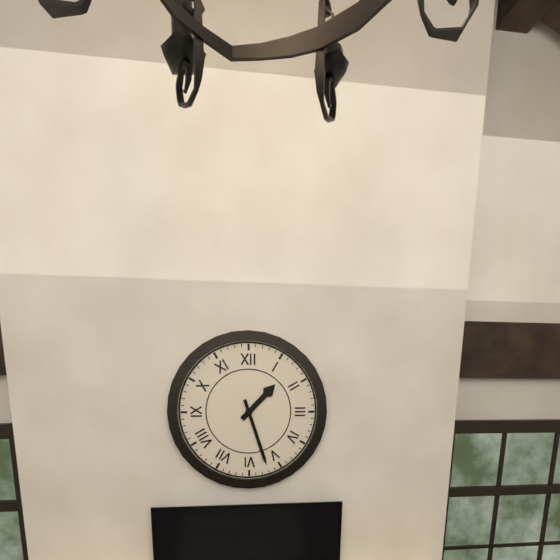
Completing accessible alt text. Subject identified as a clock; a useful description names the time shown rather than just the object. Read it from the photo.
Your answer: 1:27
